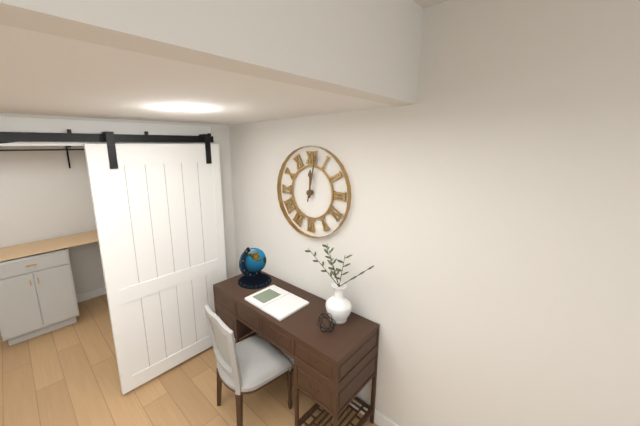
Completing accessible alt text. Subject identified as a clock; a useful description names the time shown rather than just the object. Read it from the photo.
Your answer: 12:02
